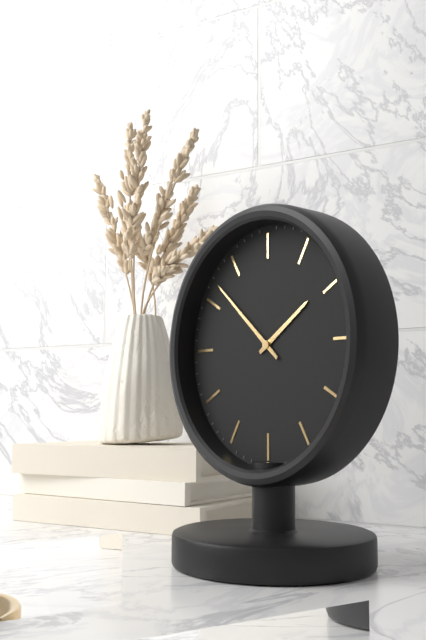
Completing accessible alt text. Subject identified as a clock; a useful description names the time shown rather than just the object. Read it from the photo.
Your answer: 1:52
